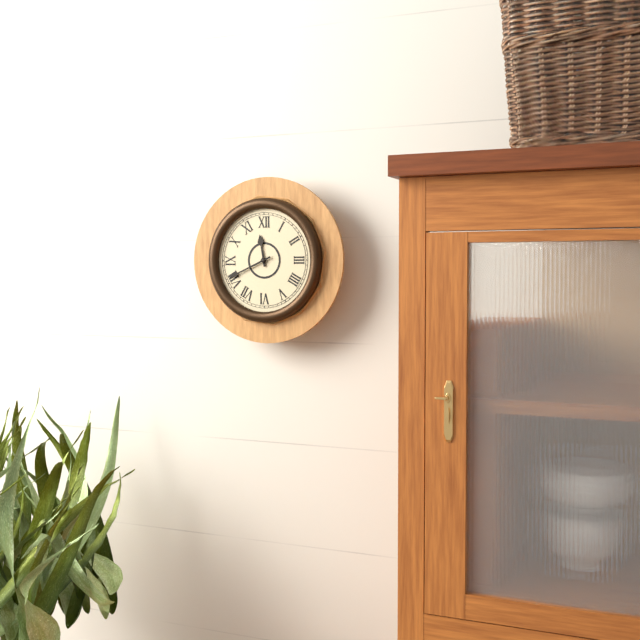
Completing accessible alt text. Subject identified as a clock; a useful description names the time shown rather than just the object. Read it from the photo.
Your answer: 11:41
